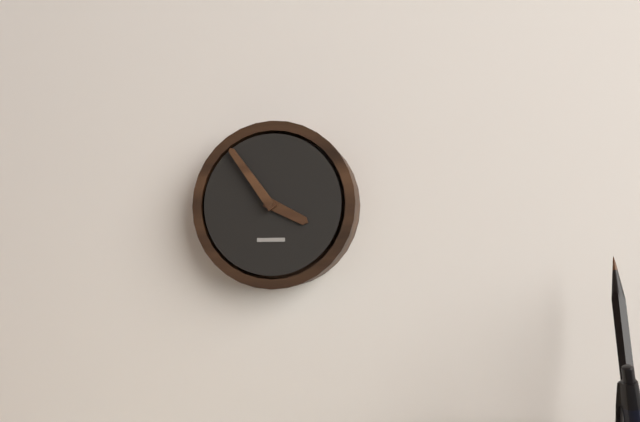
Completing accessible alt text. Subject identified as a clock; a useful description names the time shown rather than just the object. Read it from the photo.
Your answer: 3:54
